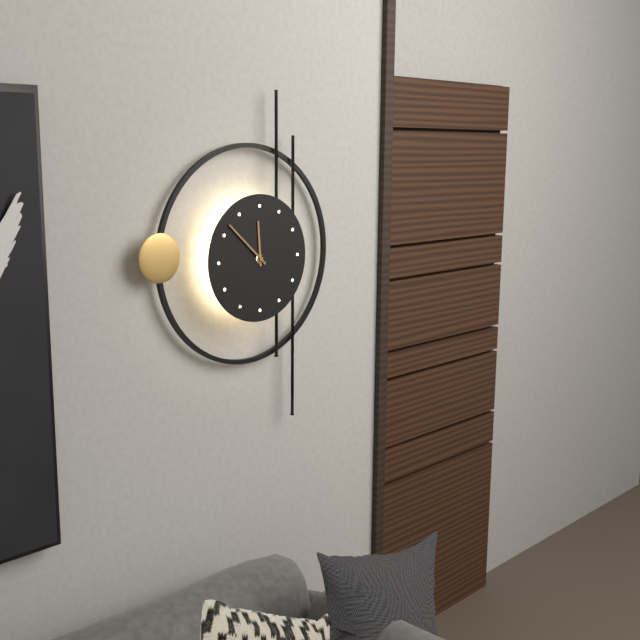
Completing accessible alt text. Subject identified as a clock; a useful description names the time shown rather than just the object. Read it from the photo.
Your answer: 11:52
